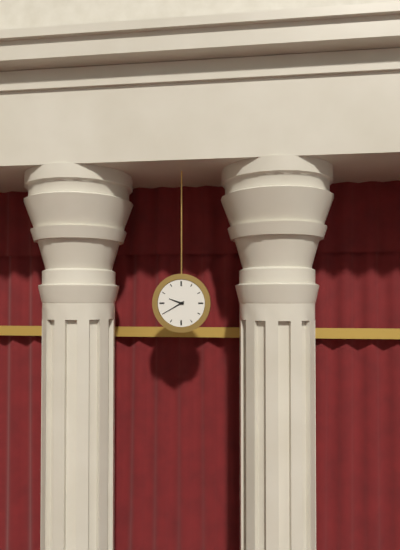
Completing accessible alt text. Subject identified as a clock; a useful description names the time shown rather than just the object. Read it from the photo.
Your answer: 9:40
